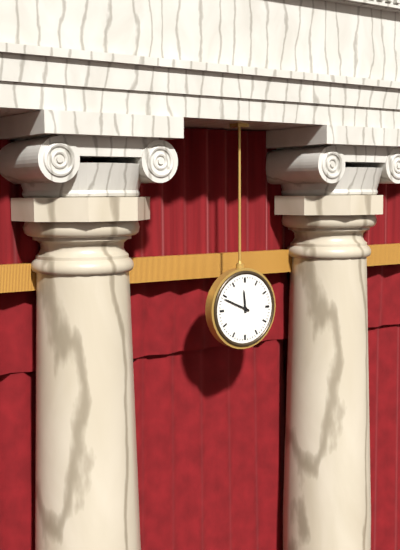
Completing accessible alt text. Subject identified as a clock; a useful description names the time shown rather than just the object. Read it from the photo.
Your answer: 11:49
